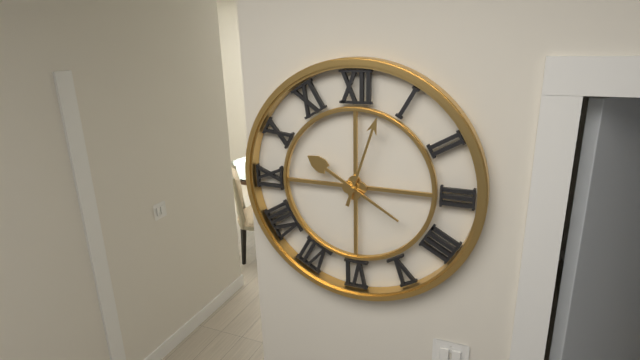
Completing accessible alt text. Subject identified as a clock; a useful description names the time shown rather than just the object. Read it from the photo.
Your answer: 10:03
